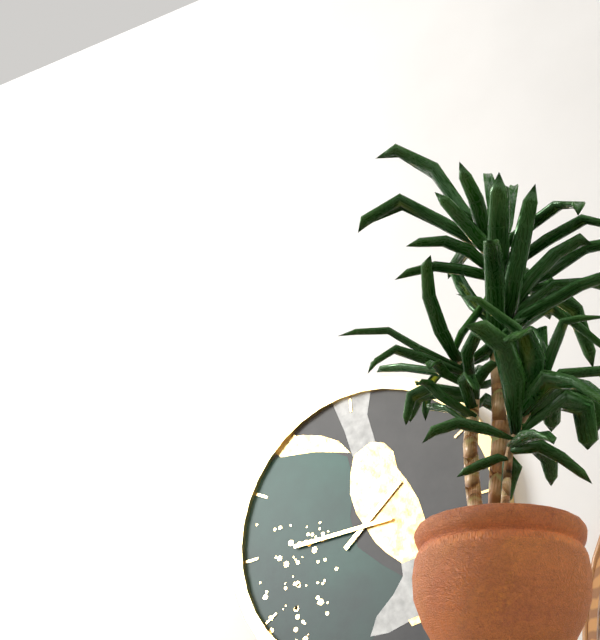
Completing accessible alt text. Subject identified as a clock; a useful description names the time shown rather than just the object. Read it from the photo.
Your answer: 1:45
